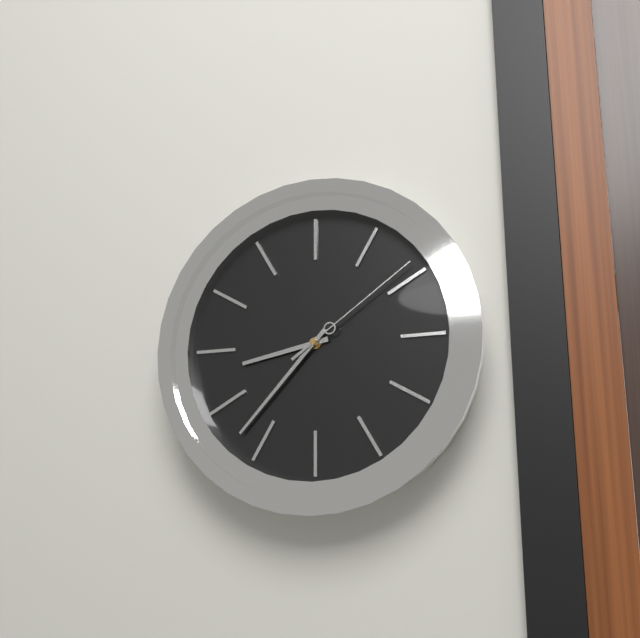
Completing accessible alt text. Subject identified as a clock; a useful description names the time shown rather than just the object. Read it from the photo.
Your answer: 8:37:09
